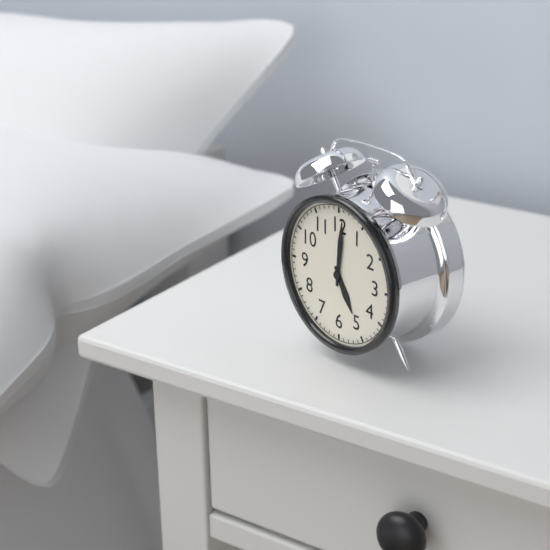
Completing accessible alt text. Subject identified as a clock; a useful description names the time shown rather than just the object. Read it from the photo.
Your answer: 5:01
